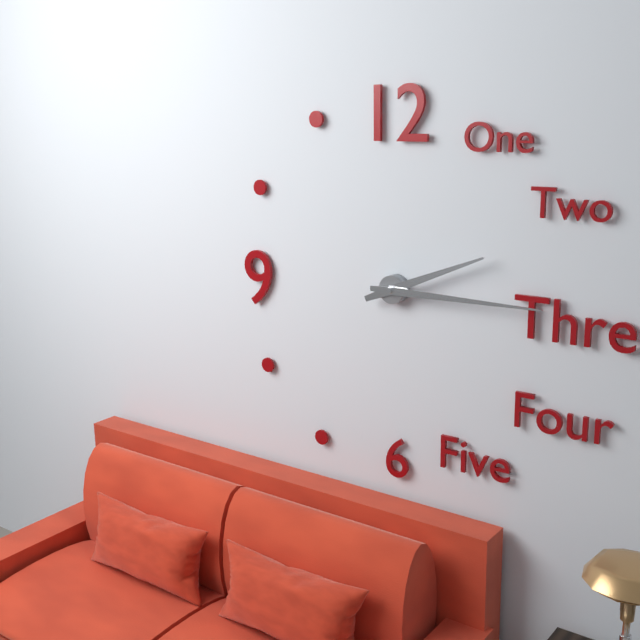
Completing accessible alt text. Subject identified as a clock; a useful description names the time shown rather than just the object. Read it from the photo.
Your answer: 2:15
